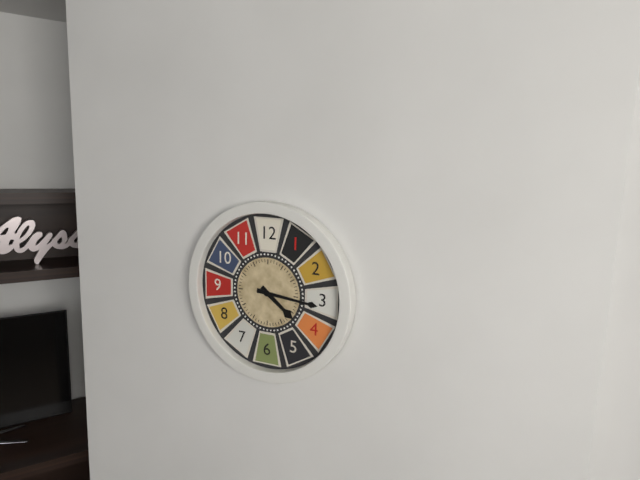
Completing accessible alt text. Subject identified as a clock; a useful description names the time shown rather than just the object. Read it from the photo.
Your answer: 4:16
